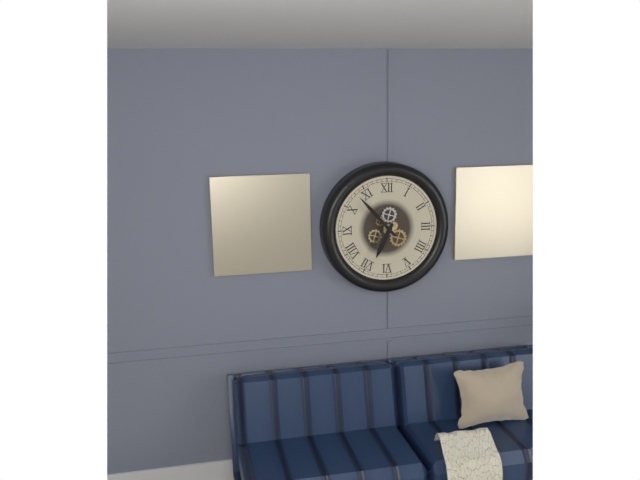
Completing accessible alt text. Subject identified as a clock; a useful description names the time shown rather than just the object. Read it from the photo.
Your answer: 6:53
